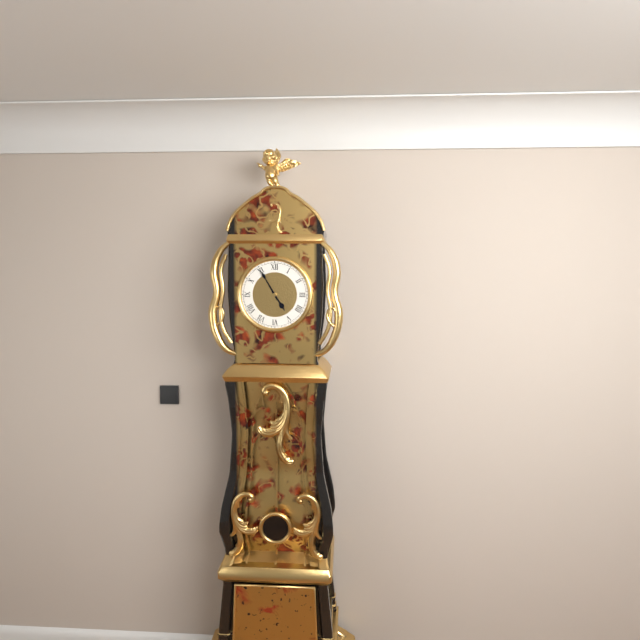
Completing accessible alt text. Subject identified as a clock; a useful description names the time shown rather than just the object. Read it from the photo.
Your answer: 4:55
